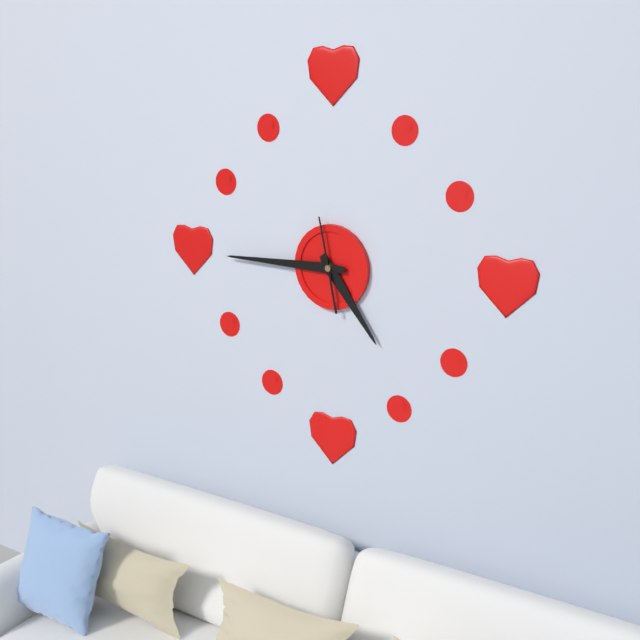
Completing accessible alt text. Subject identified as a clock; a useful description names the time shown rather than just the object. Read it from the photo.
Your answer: 4:45:58
